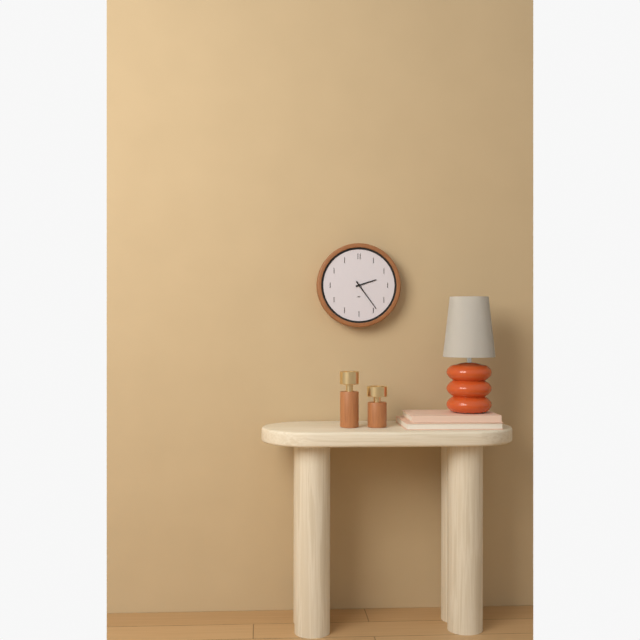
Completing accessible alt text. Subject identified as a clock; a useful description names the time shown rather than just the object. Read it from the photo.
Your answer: 2:24
